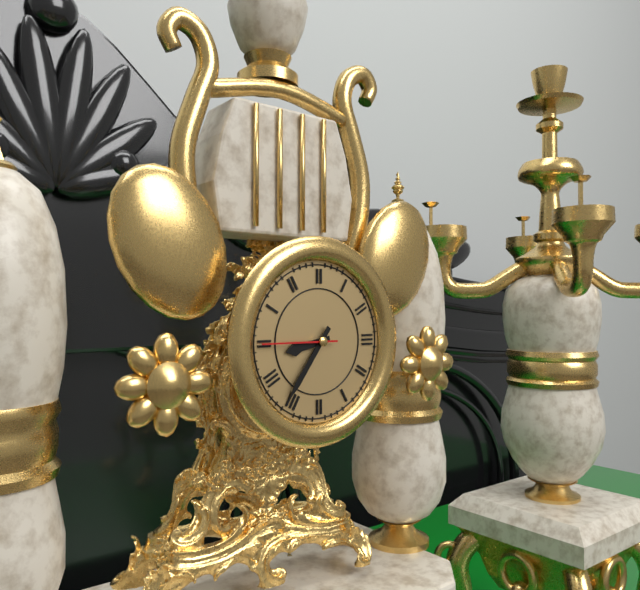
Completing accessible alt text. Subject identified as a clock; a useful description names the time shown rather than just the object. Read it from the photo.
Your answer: 8:36:45
